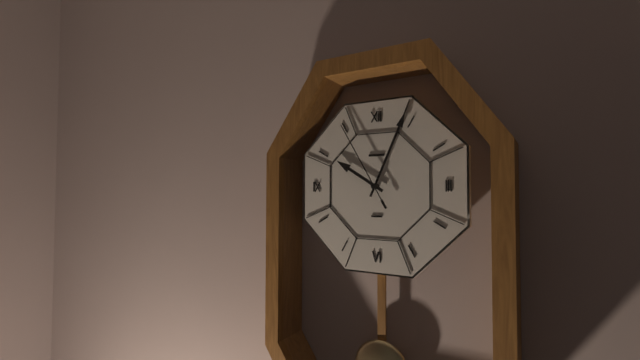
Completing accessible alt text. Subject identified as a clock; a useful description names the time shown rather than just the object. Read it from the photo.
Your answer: 10:04:55
